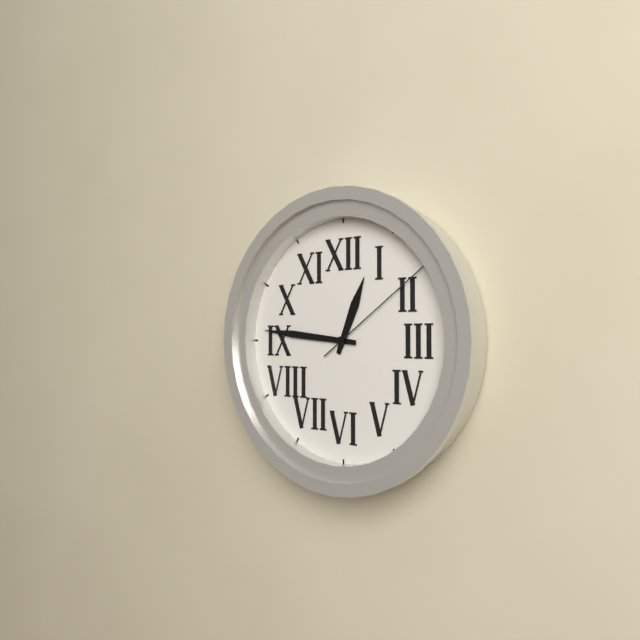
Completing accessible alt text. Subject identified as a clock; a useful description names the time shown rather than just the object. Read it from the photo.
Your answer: 12:46:09
